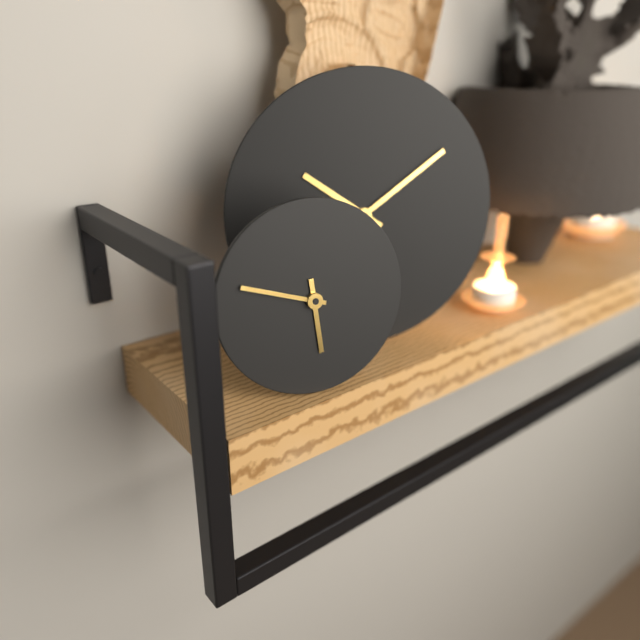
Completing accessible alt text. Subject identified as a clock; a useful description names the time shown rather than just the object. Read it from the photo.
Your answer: 5:48
